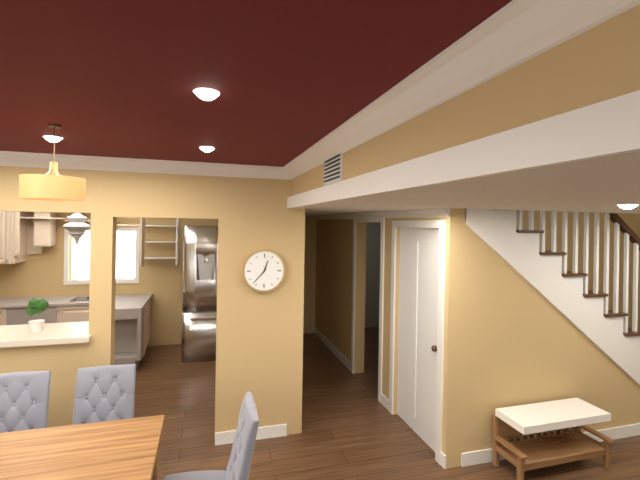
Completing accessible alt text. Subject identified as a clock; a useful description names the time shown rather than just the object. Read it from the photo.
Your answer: 12:37
